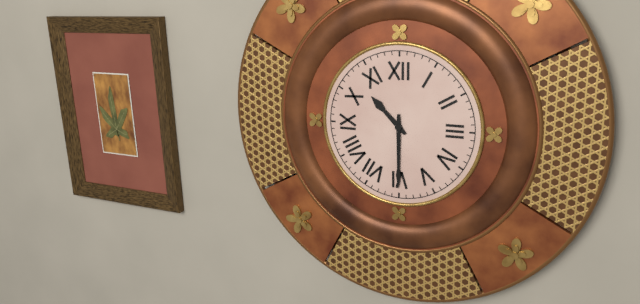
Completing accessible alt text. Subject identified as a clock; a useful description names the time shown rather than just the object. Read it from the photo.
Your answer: 10:30
